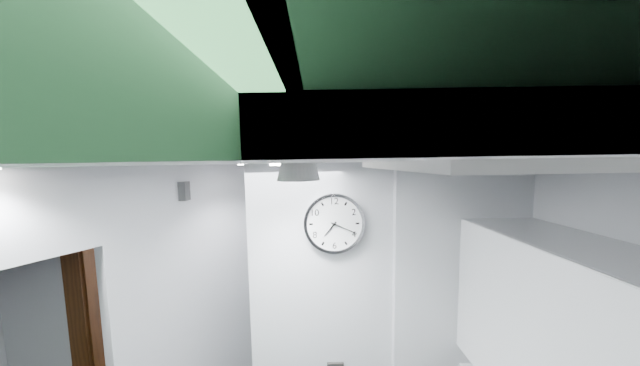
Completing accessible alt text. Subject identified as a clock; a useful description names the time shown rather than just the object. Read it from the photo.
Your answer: 7:19
